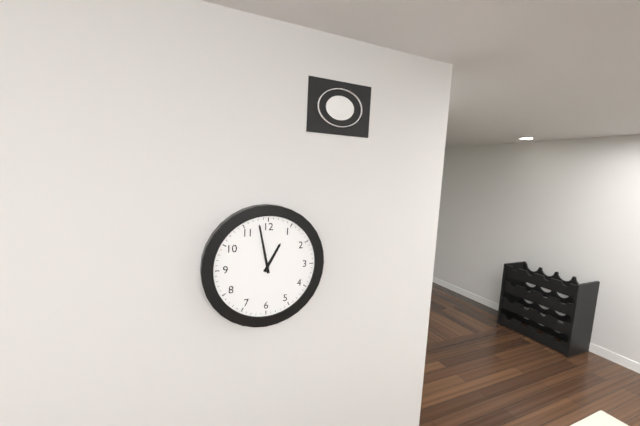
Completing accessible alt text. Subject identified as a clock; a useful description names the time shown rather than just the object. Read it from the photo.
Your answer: 12:58
